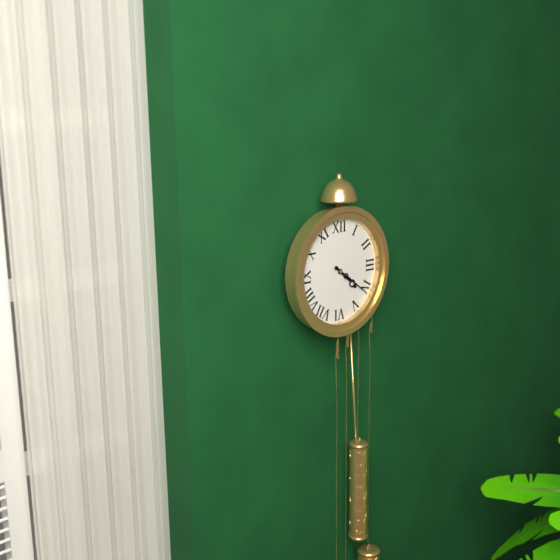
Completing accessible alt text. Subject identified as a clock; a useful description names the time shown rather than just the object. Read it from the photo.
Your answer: 4:21
